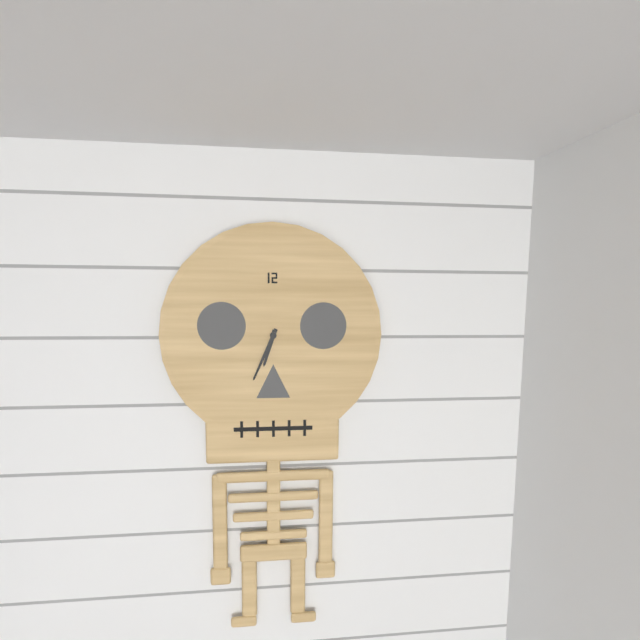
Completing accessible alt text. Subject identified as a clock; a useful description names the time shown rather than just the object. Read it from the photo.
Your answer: 6:34
